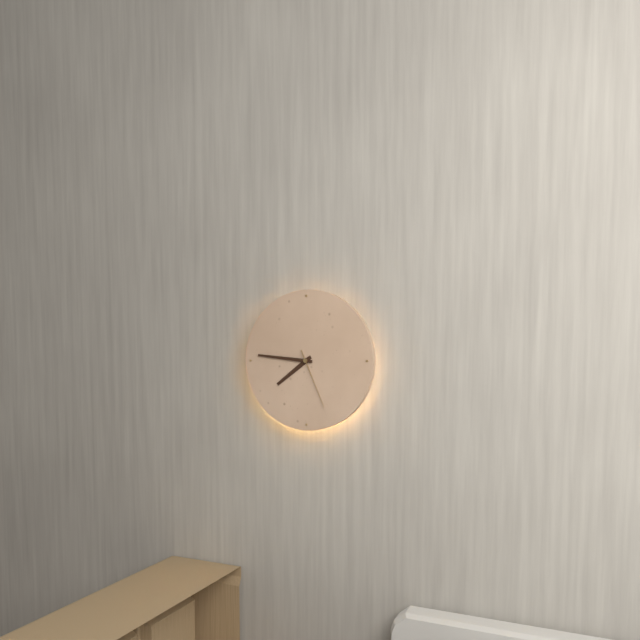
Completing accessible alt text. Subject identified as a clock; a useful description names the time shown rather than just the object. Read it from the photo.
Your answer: 7:46:26
